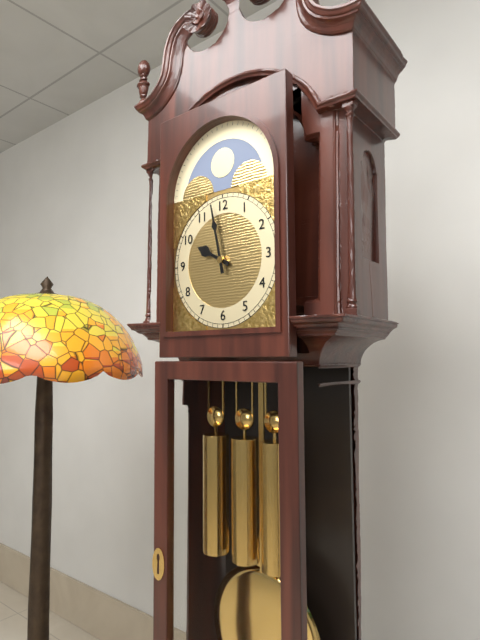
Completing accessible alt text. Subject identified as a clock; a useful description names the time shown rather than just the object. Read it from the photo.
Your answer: 9:58
